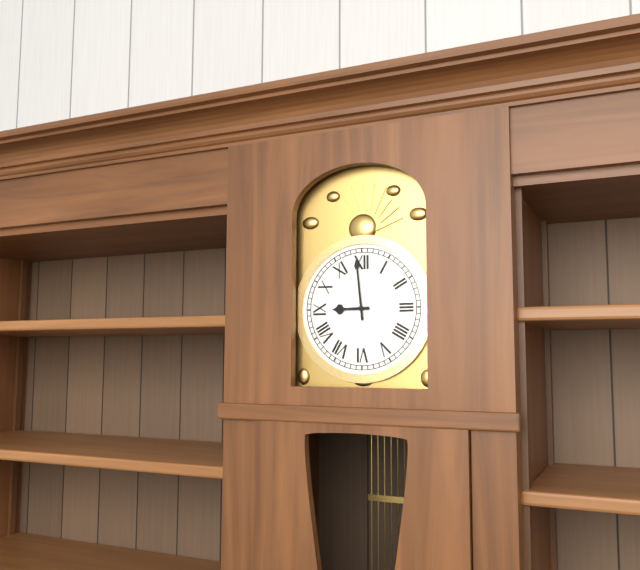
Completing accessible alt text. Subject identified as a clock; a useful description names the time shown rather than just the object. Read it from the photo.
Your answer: 8:59
